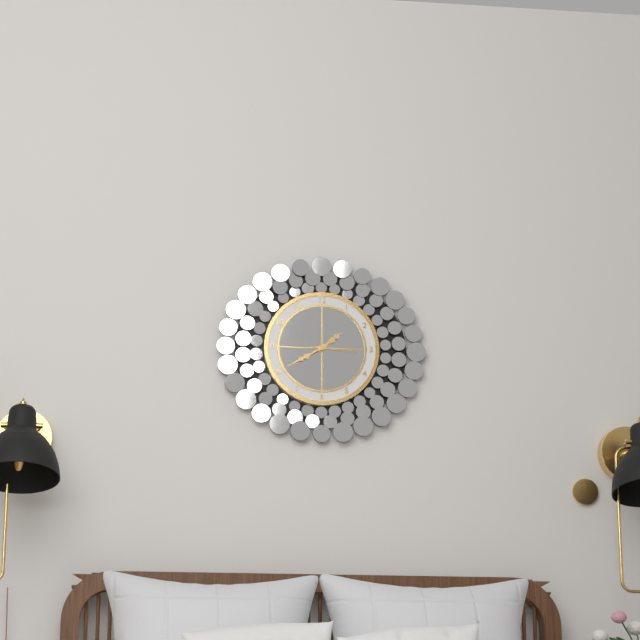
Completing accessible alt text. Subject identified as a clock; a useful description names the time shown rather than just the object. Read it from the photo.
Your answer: 1:40
